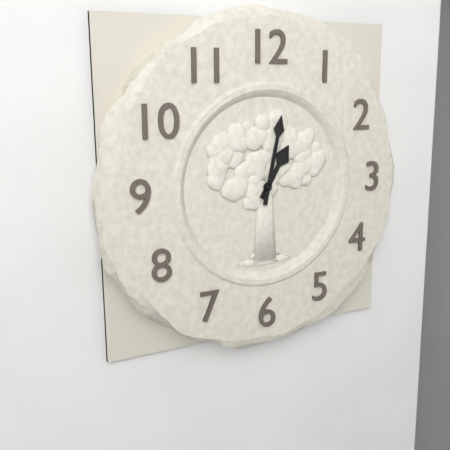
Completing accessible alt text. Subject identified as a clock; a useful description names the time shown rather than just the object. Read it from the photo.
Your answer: 1:02
